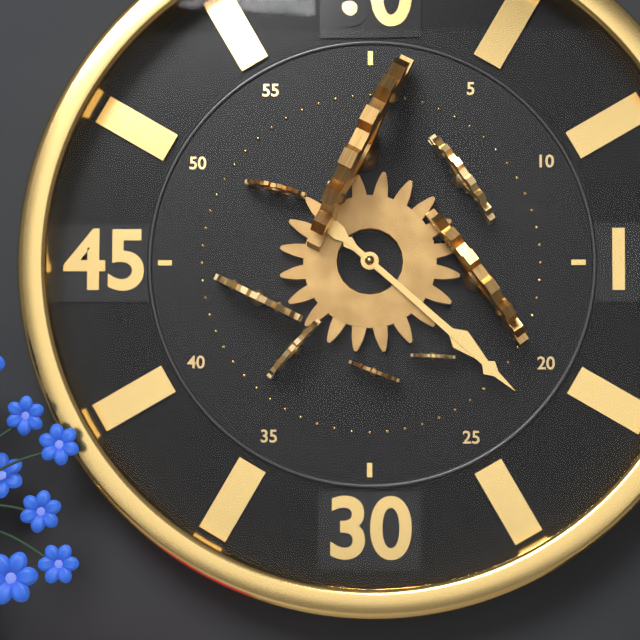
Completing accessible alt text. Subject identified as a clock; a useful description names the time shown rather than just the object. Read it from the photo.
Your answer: 4:22
